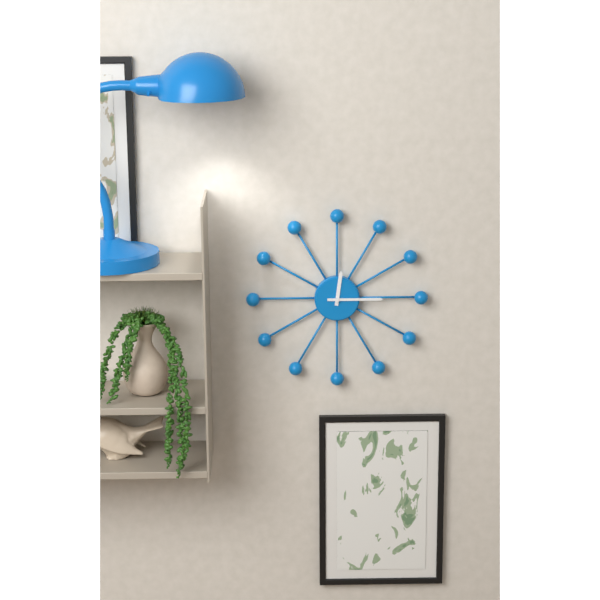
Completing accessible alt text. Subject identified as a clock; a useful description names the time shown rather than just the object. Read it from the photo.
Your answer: 12:15
